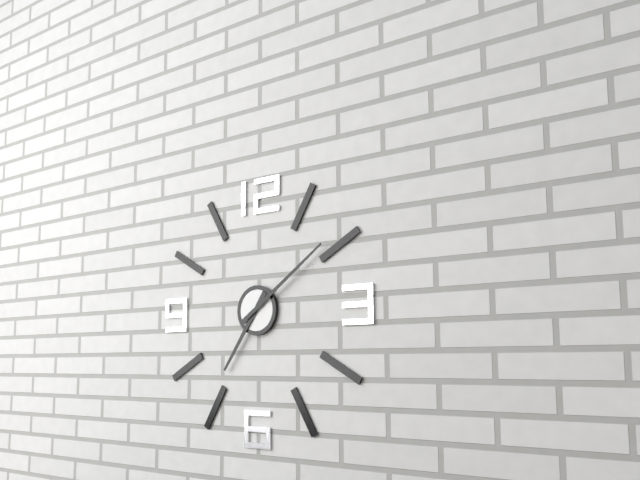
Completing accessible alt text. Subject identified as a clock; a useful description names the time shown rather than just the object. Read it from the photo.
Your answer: 7:09
